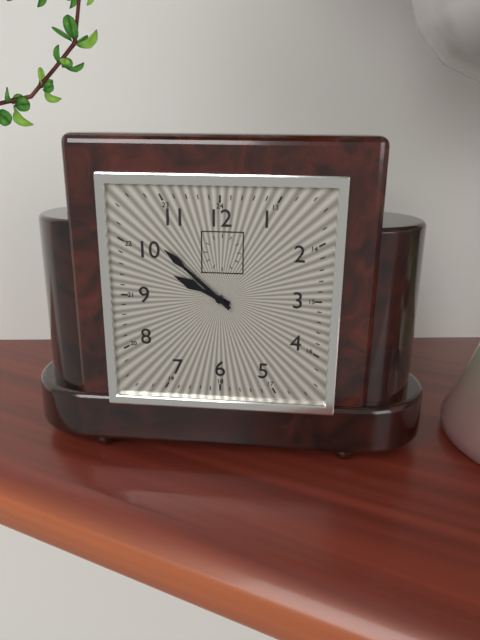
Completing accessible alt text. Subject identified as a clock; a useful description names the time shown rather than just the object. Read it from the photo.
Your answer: 9:52
